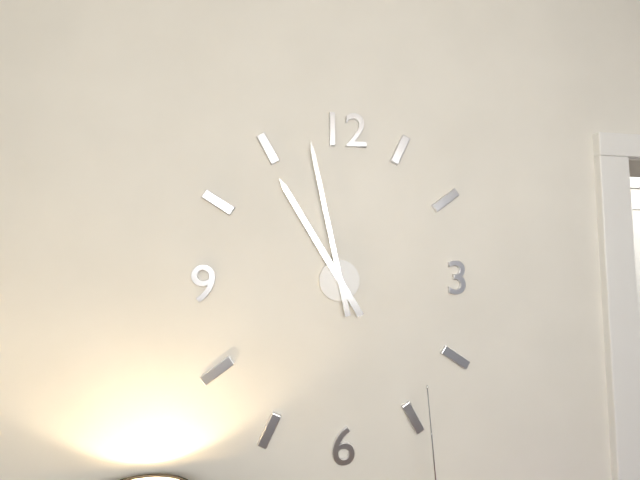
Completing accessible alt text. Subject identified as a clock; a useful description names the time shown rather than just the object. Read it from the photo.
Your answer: 10:58
